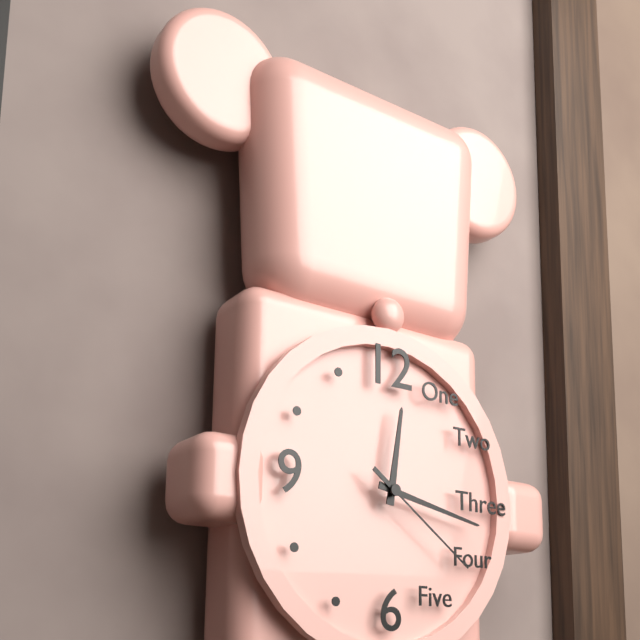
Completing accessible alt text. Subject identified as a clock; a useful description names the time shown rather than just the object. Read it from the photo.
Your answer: 12:17:21
